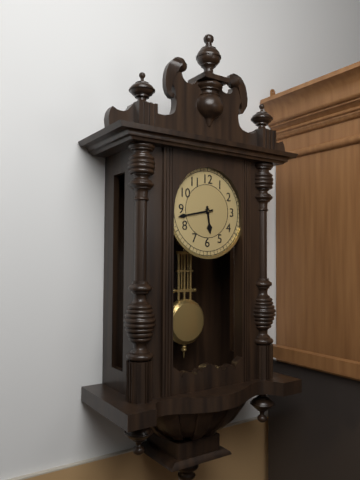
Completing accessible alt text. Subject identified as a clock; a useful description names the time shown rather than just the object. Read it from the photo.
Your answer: 5:43
